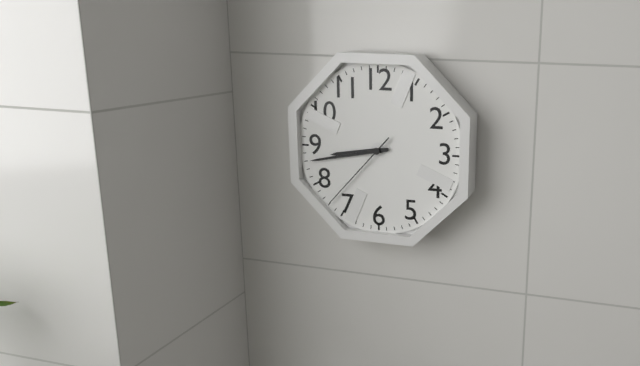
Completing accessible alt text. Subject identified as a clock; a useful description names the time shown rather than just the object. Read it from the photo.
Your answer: 8:43:37
